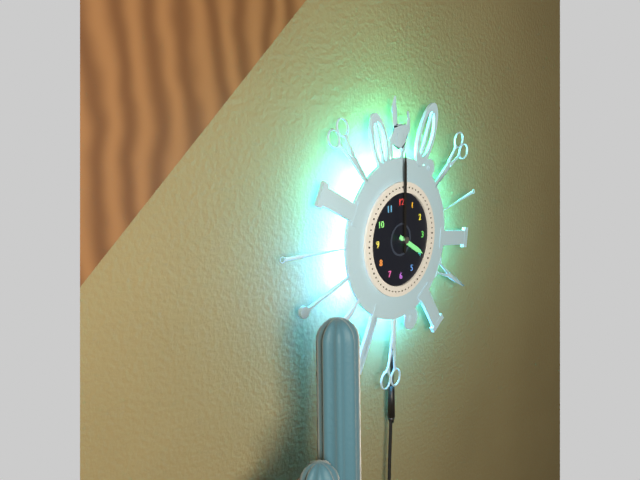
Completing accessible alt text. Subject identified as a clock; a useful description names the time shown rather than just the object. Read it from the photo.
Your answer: 4:00
